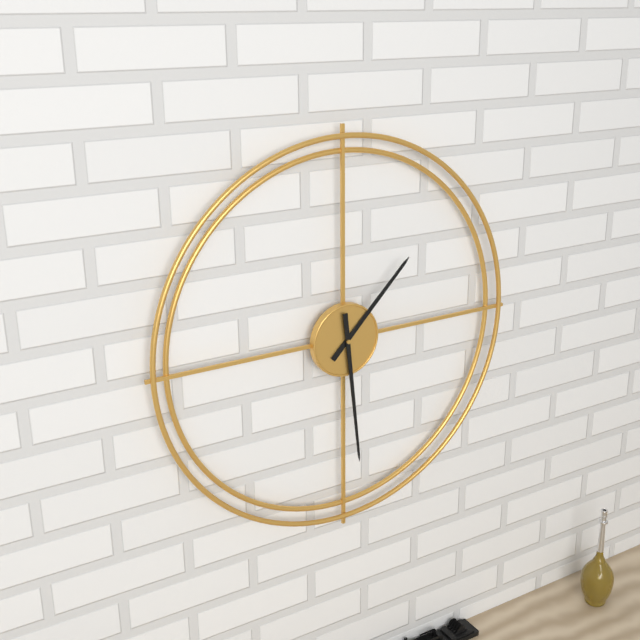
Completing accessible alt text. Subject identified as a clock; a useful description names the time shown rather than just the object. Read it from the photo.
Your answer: 1:29
